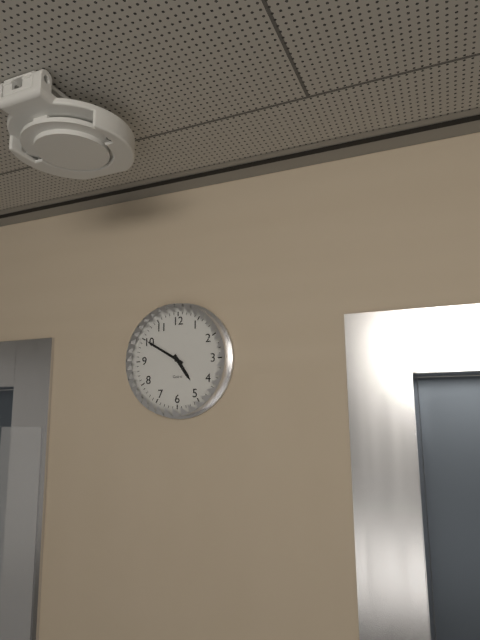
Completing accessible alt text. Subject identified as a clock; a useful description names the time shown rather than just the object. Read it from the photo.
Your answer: 4:50
